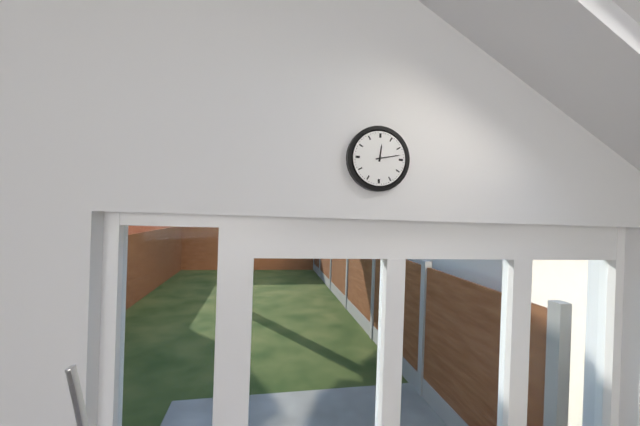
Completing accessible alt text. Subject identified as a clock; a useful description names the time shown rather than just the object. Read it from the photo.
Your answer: 12:13
